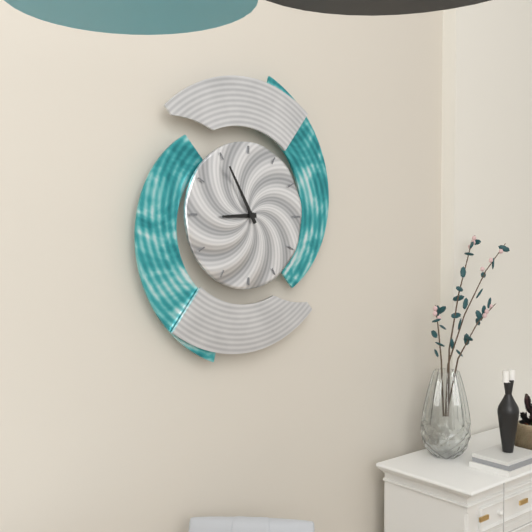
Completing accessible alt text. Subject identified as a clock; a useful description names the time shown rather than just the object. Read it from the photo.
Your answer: 8:55
